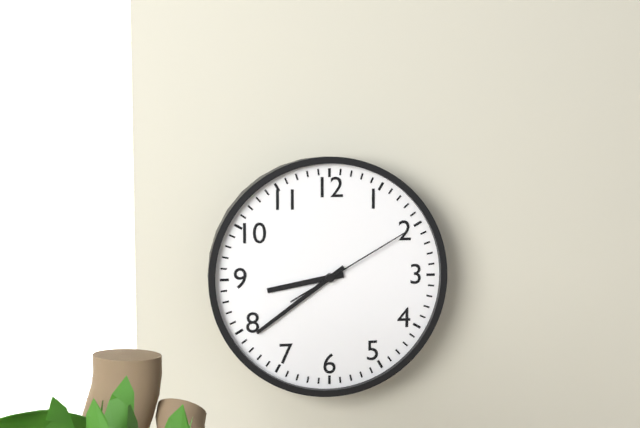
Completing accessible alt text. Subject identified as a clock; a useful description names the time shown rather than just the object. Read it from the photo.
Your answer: 8:39:10
